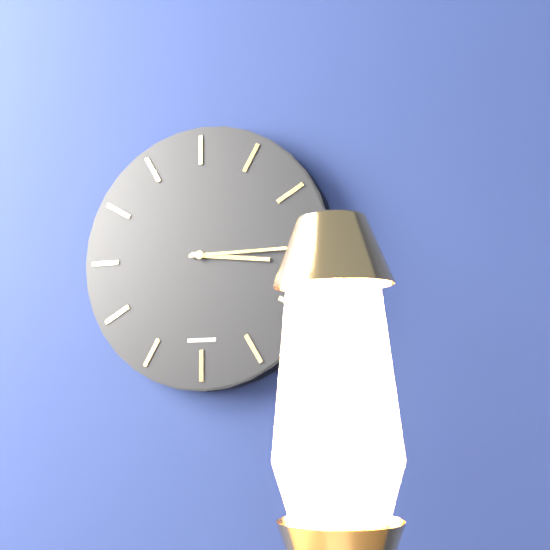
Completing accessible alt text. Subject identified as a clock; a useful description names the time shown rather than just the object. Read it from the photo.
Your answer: 3:15
